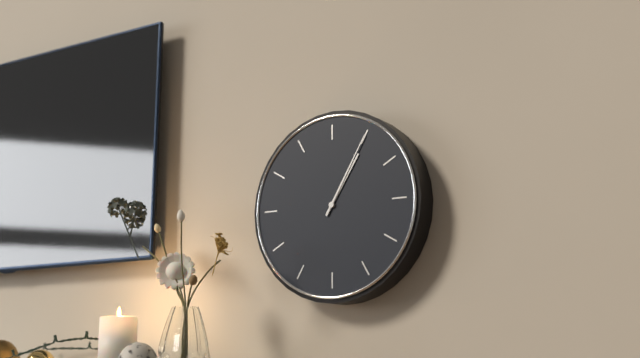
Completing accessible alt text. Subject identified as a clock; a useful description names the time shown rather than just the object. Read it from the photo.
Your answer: 1:05
